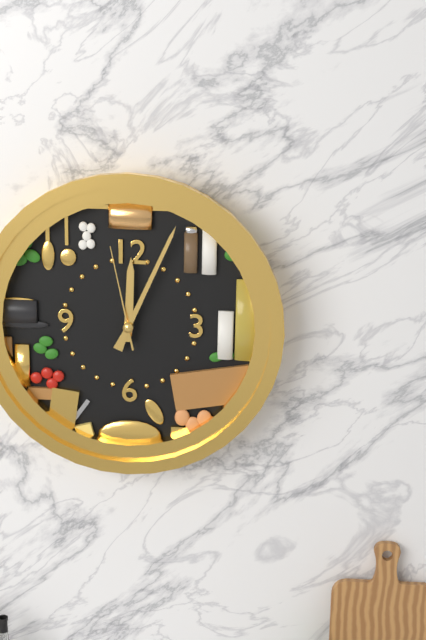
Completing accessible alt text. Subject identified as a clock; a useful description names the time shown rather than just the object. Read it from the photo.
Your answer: 12:04:58
